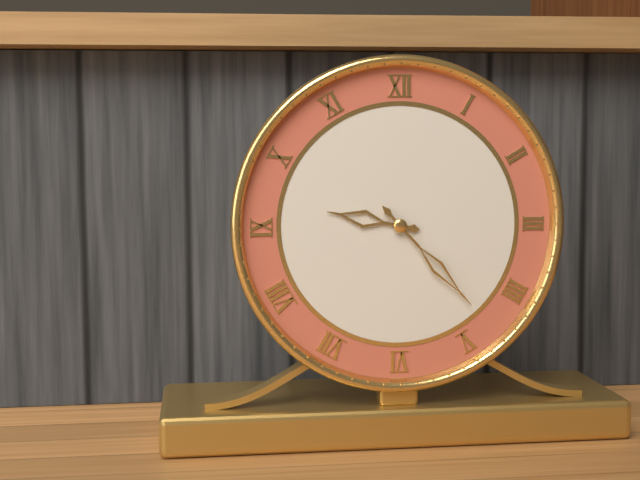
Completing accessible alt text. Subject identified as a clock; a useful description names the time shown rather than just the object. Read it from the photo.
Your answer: 9:23
